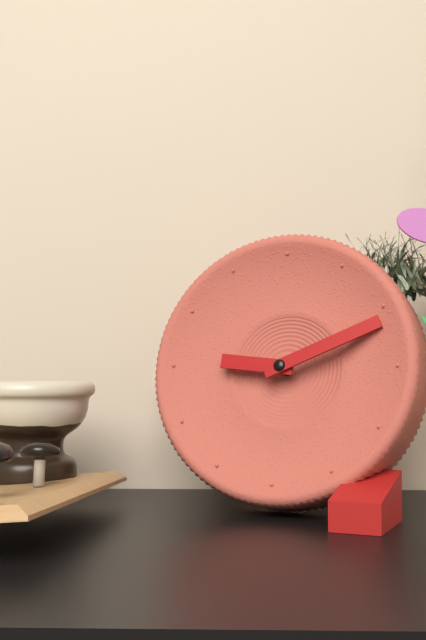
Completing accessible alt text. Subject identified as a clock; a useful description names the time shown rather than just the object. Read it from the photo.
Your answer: 9:11
